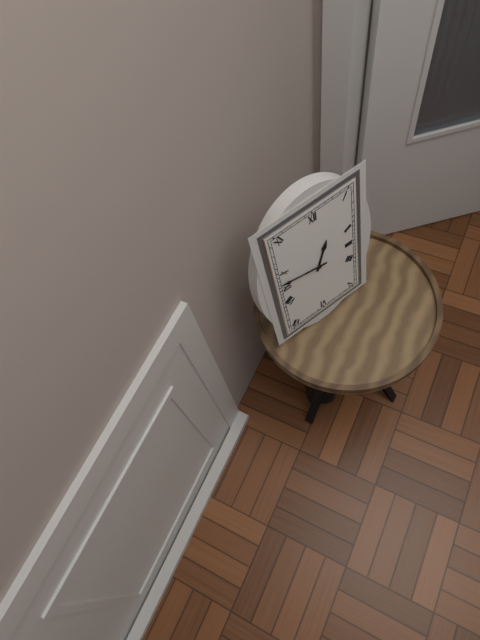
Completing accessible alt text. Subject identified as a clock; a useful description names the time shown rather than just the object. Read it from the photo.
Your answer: 12:47
